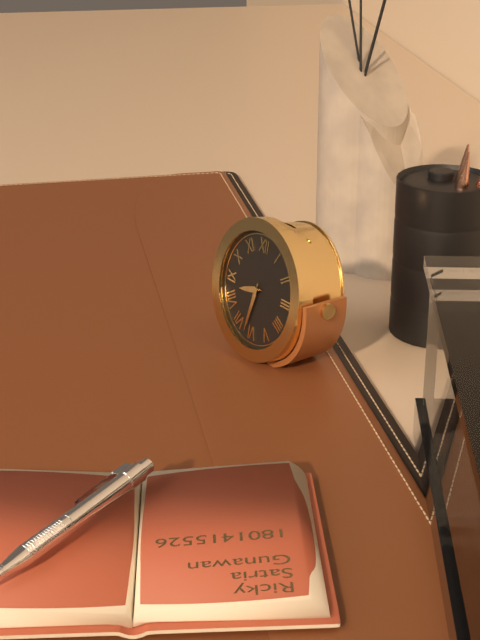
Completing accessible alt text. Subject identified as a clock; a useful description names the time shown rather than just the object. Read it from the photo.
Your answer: 8:32
